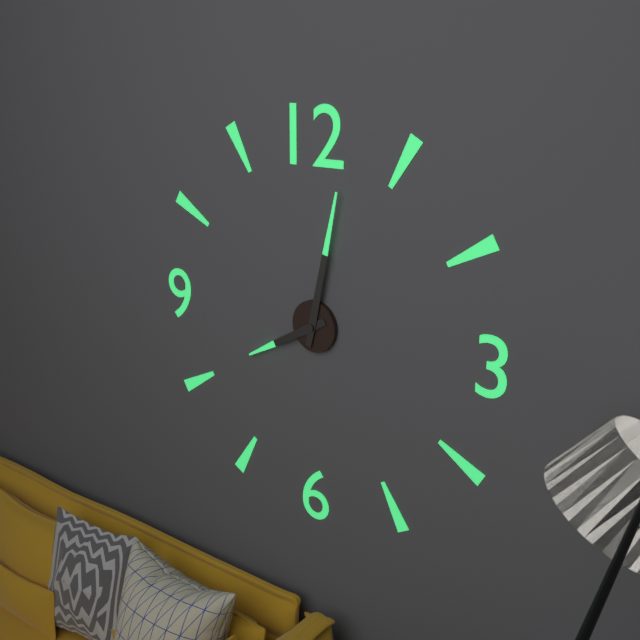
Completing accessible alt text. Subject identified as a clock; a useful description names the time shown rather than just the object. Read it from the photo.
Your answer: 8:02
